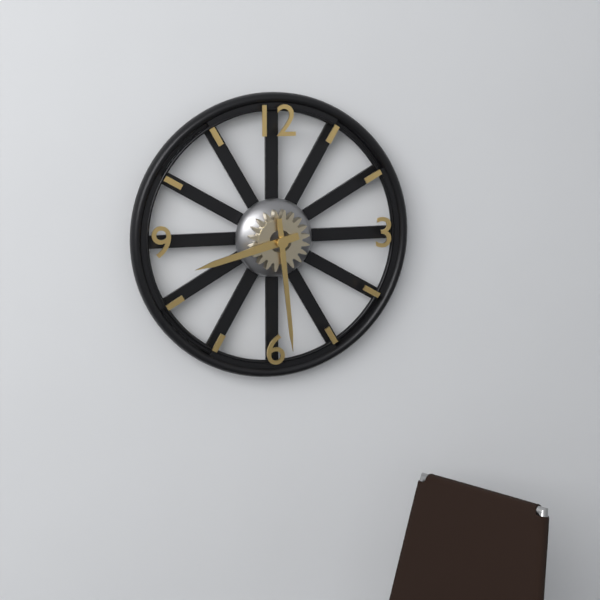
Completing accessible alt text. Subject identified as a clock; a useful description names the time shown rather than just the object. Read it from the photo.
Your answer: 8:29
